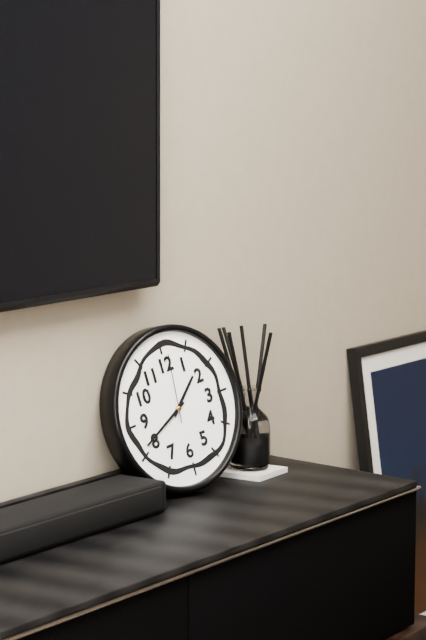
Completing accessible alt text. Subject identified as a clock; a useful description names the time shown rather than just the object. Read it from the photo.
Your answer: 1:41:01
